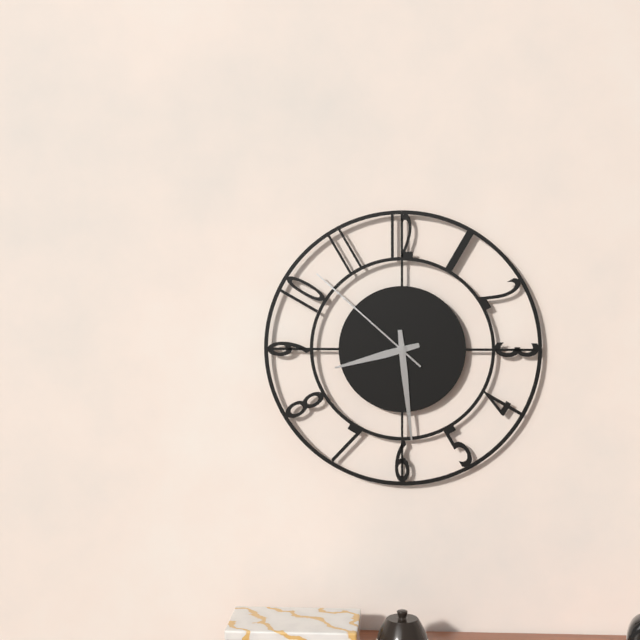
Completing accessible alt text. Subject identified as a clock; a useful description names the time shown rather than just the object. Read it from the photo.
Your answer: 8:29:52
